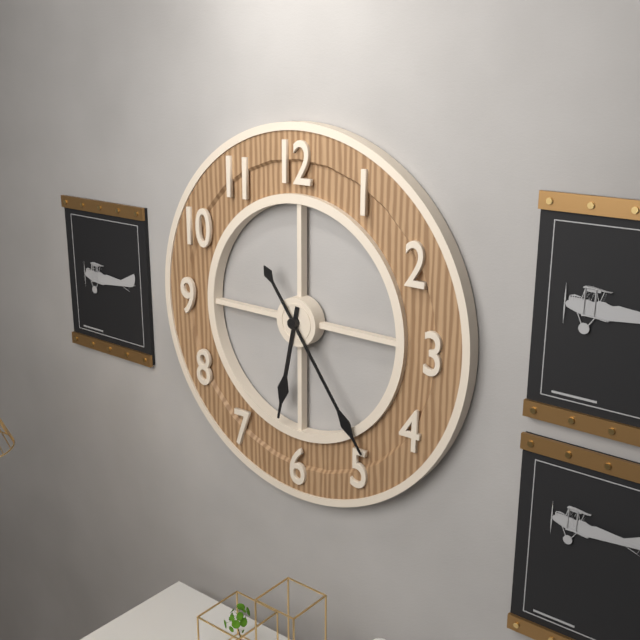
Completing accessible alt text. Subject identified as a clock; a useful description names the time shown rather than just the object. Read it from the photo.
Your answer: 6:24
